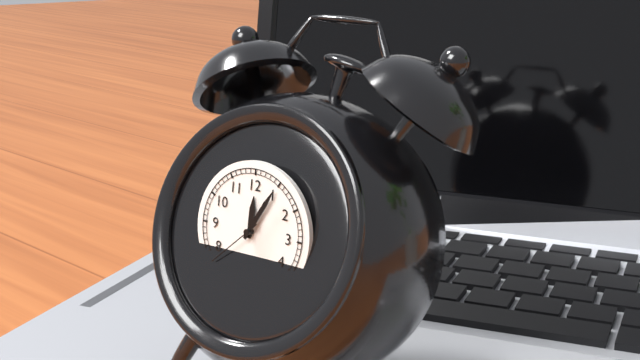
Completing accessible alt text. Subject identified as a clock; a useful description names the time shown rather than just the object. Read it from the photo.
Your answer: 12:05:38
